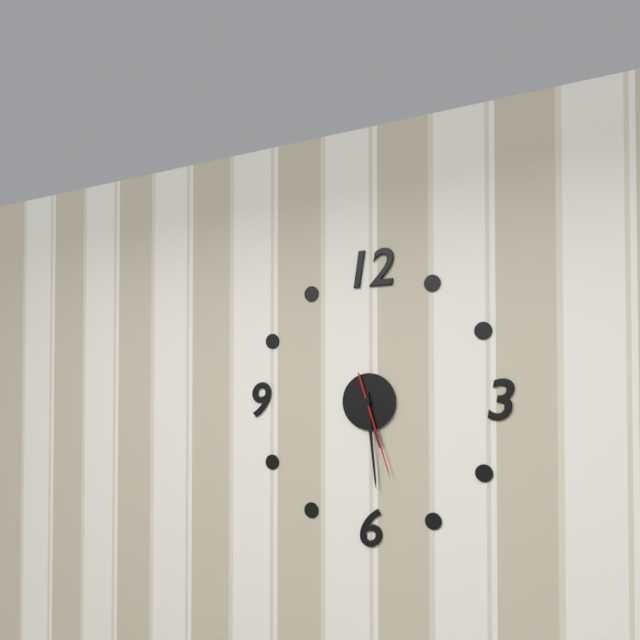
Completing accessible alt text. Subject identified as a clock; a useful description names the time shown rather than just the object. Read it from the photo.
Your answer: 5:29:27
